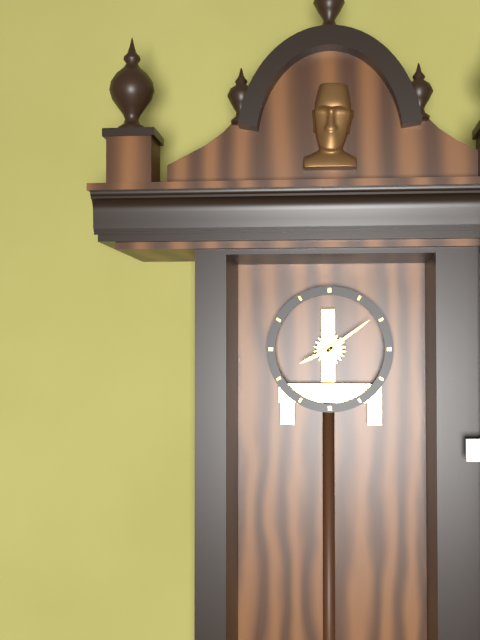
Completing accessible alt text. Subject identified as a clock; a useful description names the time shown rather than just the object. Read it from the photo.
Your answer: 8:09
